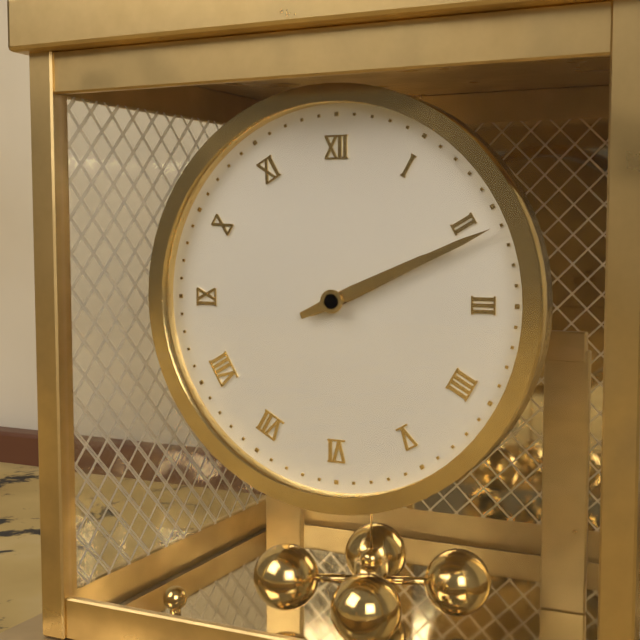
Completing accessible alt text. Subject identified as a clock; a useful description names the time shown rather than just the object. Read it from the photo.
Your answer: 2:11
